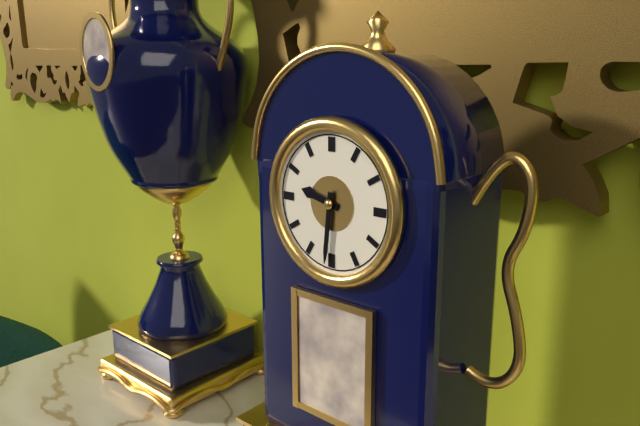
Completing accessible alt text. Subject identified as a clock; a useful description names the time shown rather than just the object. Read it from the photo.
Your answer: 9:31
